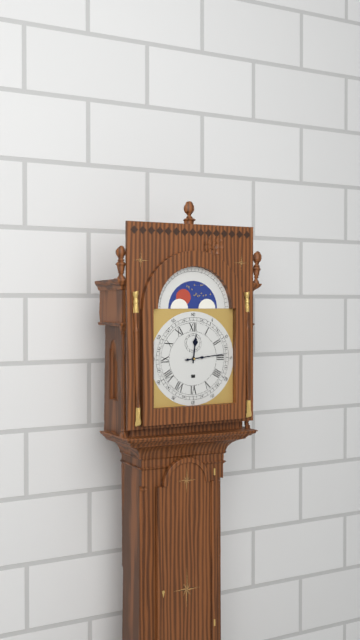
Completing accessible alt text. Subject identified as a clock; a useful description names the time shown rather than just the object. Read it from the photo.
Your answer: 12:14
